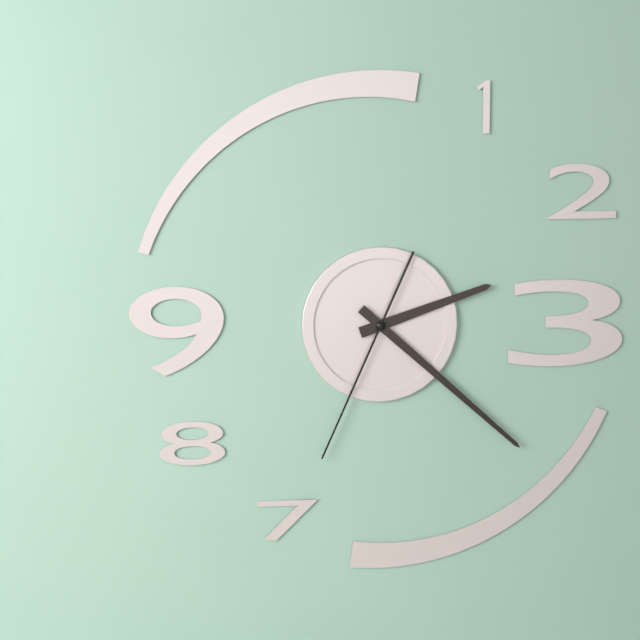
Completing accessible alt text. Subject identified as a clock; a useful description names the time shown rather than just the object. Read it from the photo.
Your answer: 2:22:34
